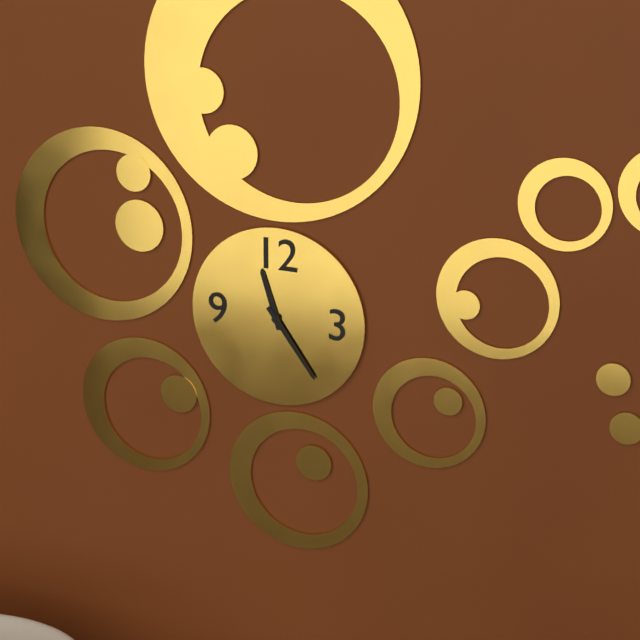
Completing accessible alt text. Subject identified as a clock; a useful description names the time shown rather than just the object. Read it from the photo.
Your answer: 11:24
